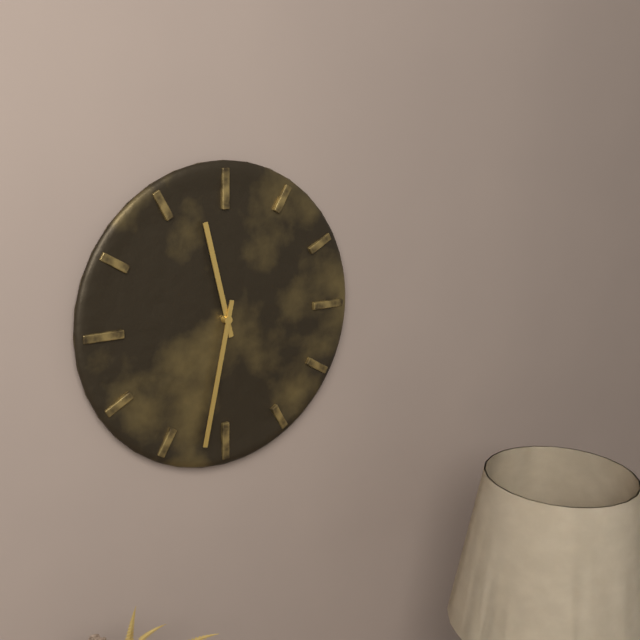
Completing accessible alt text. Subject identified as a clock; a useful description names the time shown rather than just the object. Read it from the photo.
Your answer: 11:32
